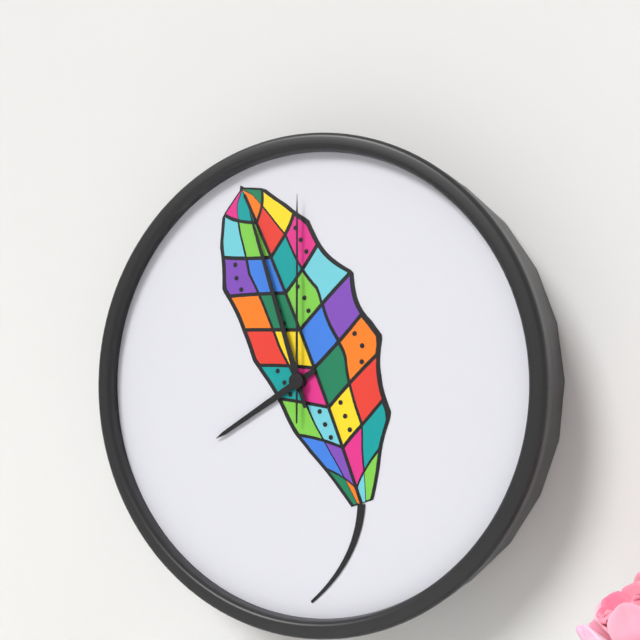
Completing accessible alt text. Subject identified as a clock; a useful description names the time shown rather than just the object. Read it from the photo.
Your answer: 7:57:00
